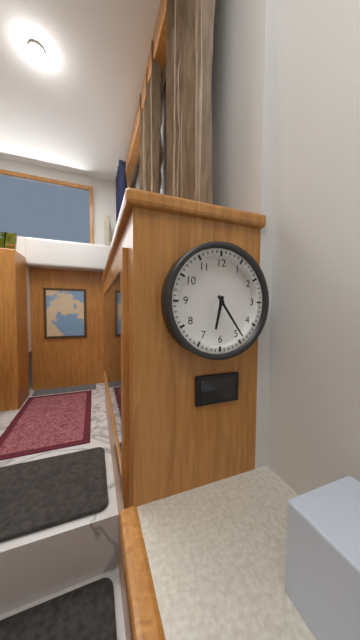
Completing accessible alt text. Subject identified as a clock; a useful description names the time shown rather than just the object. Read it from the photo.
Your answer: 6:24
